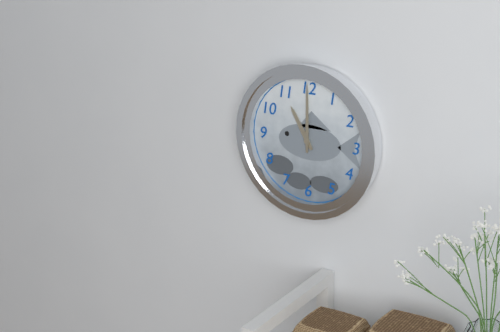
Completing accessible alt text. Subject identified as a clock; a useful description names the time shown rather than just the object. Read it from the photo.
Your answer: 11:00
